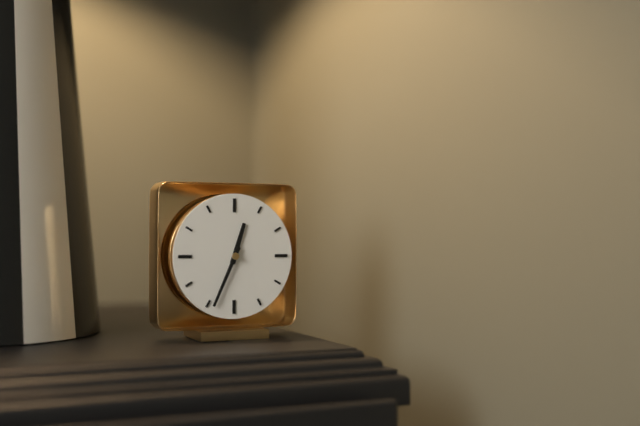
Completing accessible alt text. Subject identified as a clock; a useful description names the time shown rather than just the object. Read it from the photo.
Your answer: 12:34
